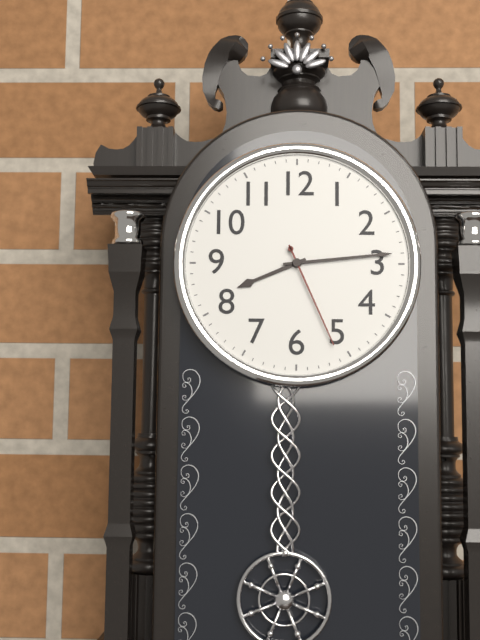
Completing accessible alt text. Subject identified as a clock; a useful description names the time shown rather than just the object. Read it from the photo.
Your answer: 8:14:26
